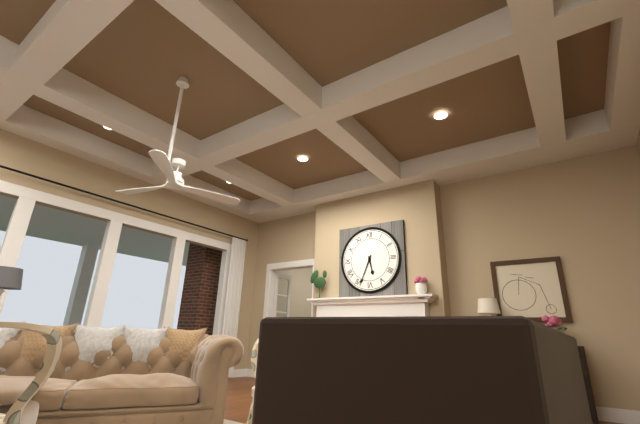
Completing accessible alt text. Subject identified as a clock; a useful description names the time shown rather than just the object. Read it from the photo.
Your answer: 5:34
